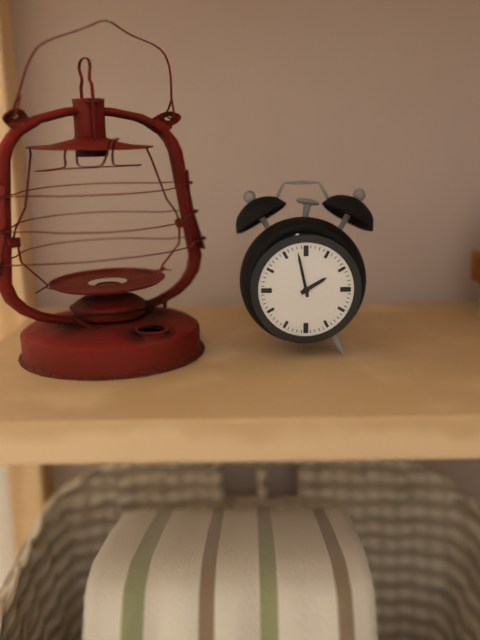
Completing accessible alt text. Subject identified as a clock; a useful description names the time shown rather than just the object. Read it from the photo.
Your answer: 1:58
